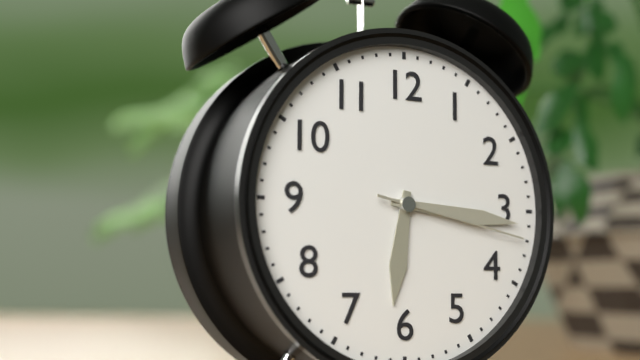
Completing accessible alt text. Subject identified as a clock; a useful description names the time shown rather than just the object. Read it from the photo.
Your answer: 6:16:17
